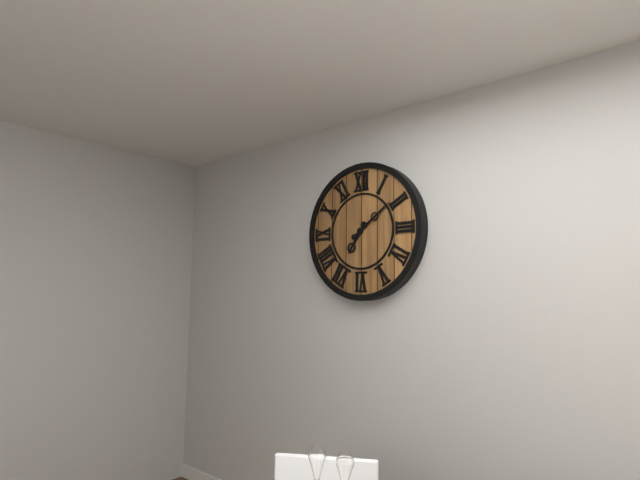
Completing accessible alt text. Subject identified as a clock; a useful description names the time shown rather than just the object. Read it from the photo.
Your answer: 7:09
